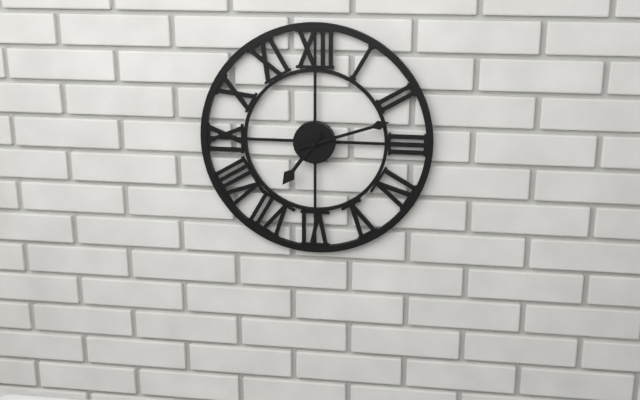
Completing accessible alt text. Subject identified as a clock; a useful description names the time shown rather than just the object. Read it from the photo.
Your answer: 7:12
